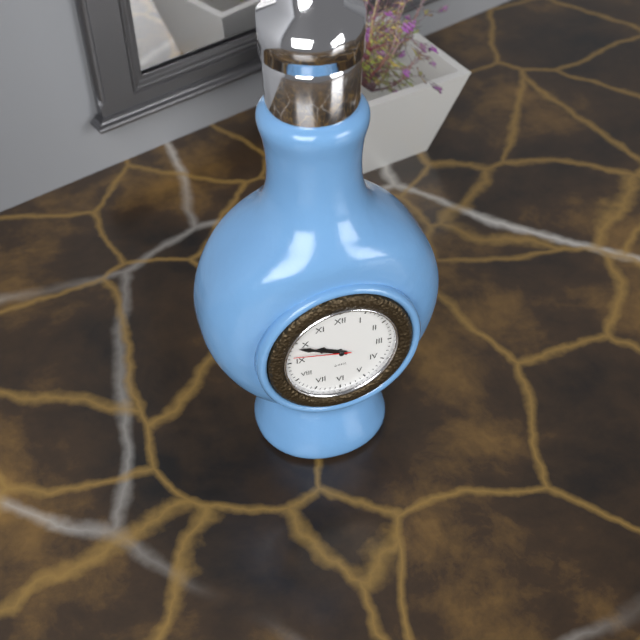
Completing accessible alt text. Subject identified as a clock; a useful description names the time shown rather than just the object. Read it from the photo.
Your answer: 9:49:47
